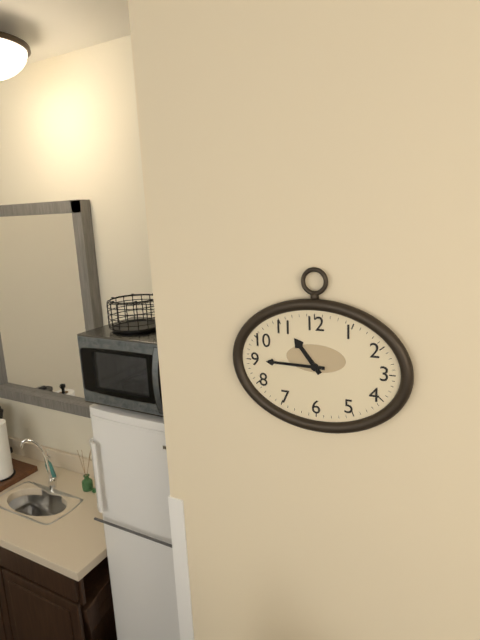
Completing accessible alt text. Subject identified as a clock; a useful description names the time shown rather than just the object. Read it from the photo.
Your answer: 10:45
